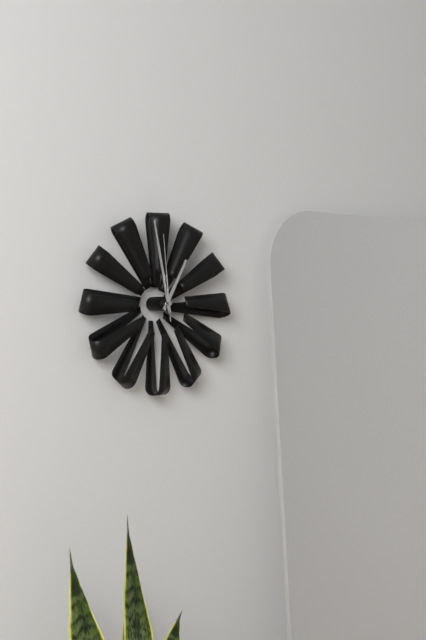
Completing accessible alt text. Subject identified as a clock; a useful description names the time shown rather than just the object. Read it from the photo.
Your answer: 12:58:59
